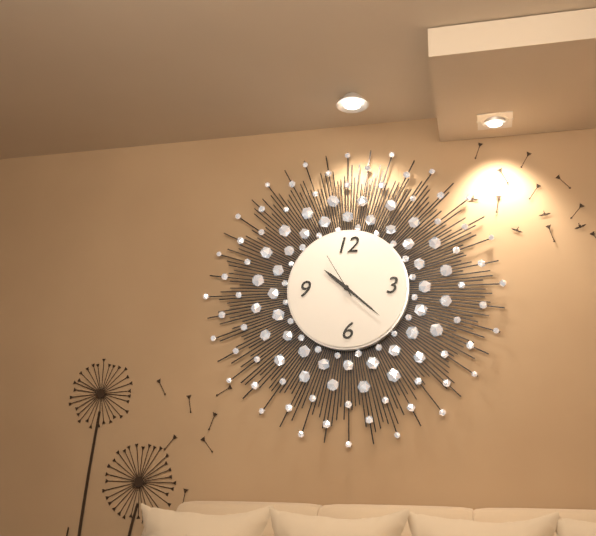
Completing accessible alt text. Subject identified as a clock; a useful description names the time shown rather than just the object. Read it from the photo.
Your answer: 10:22
